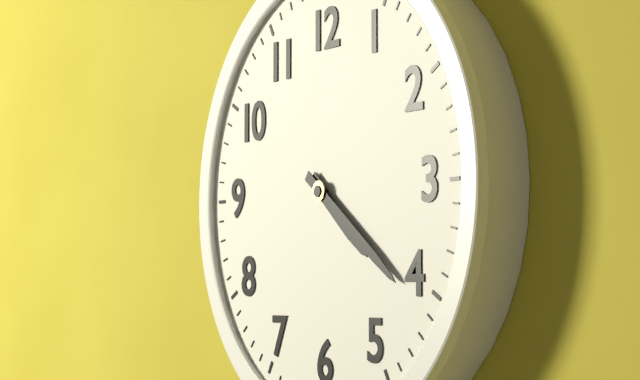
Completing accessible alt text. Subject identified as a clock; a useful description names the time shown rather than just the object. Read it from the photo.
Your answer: 4:21
